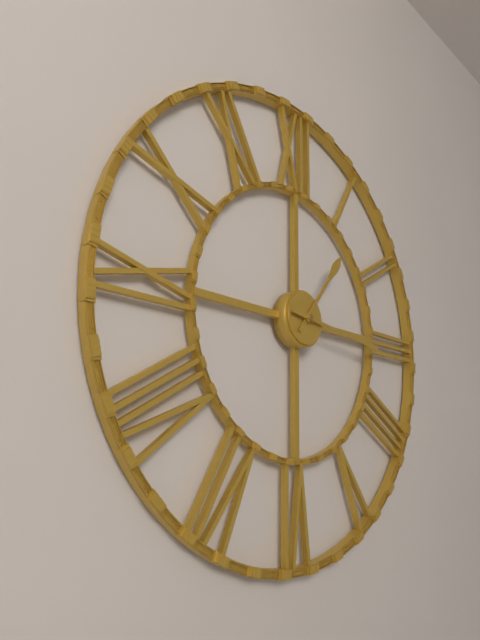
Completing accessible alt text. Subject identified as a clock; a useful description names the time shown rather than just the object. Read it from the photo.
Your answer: 1:16
